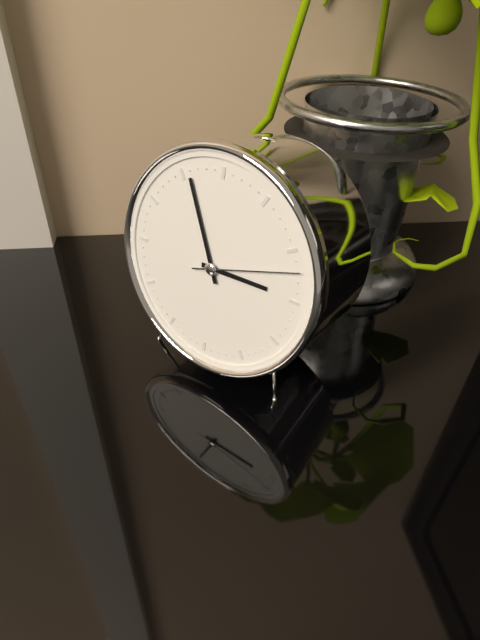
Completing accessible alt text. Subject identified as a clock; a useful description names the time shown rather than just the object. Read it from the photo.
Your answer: 2:56:12
